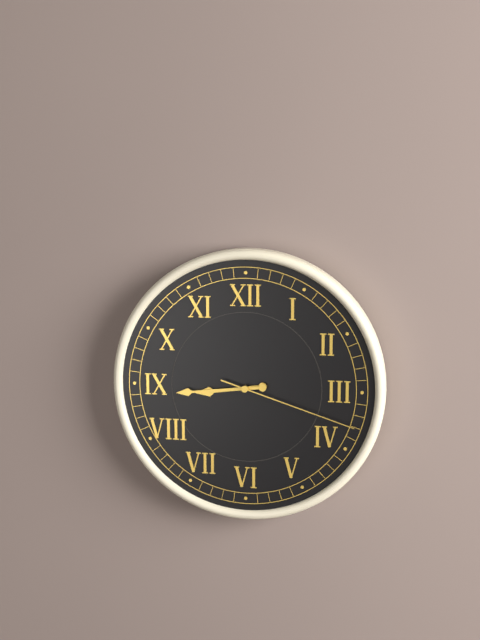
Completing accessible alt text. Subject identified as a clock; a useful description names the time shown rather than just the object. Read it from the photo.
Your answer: 8:44:18
